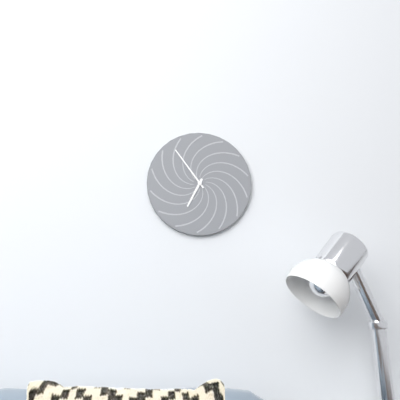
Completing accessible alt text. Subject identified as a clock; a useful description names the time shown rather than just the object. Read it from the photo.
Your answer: 6:54
